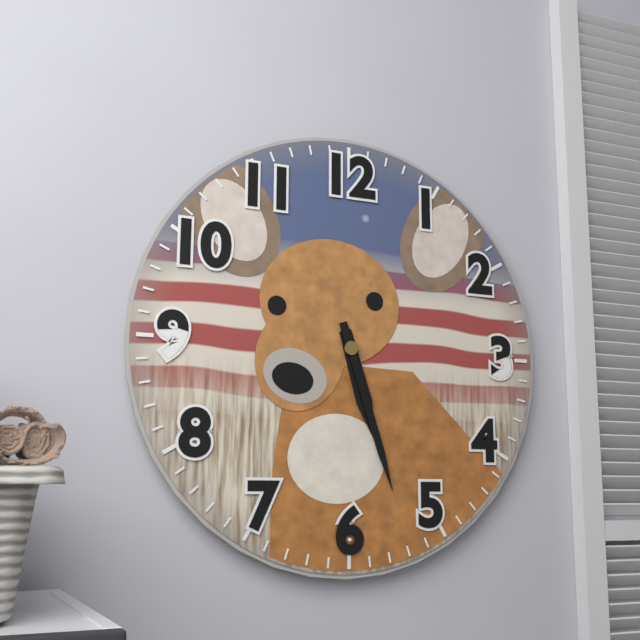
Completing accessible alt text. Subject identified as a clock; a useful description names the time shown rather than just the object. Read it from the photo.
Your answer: 5:27
